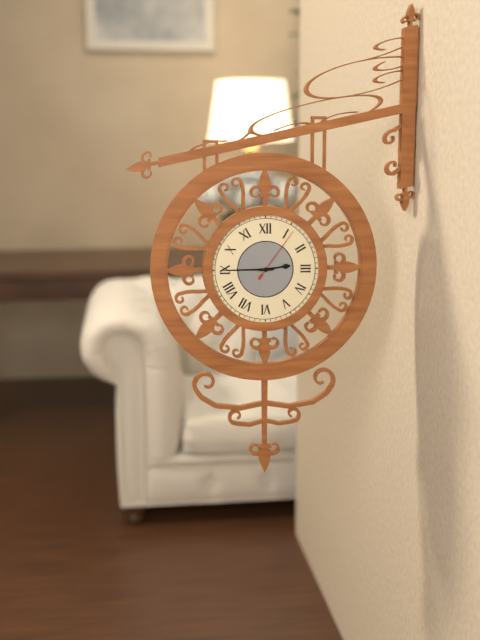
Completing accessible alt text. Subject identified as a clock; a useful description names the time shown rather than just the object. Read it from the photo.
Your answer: 2:45:06
